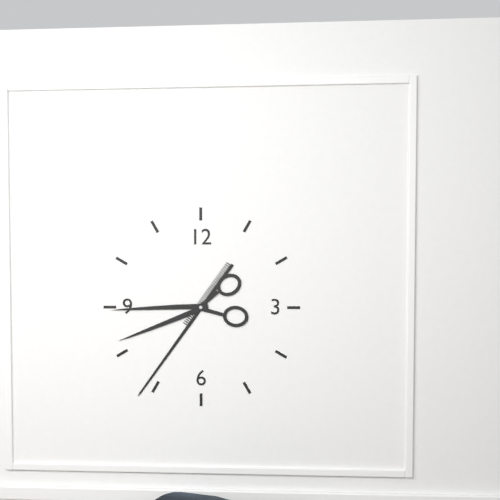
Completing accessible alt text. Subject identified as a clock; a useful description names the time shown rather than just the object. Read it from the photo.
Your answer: 8:36
